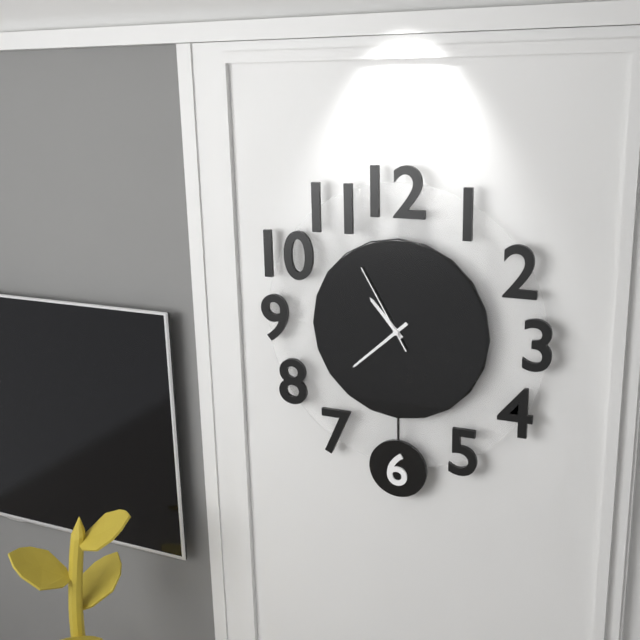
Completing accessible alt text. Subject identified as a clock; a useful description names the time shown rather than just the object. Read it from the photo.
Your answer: 10:38:55
